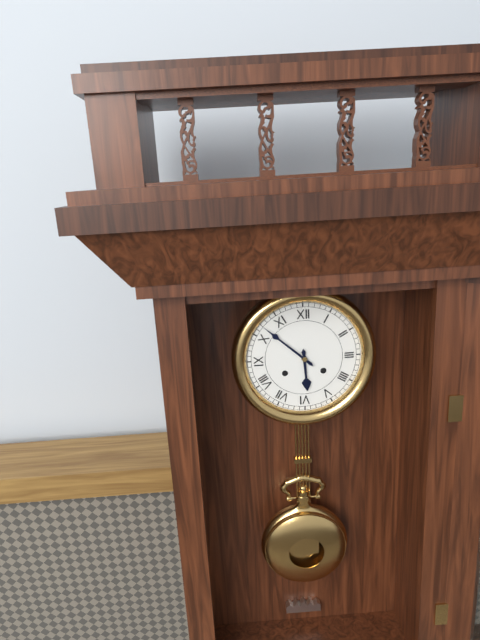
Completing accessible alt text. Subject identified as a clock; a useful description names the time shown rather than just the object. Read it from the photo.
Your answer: 5:52
